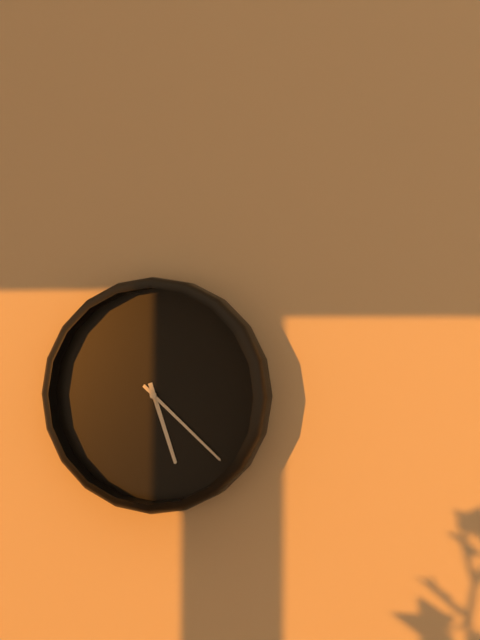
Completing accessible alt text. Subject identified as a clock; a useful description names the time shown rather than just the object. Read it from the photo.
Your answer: 5:22
